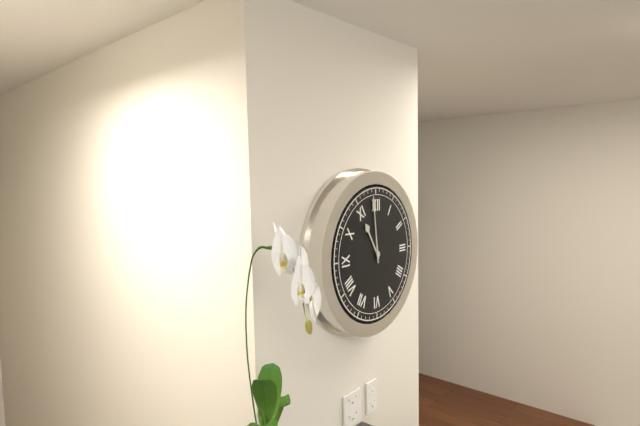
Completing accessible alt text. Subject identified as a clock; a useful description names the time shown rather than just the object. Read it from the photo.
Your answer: 10:59
